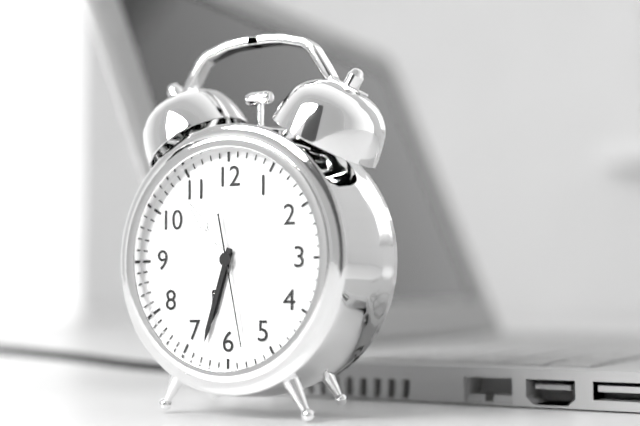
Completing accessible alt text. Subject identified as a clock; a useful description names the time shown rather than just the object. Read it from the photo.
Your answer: 6:33:28
